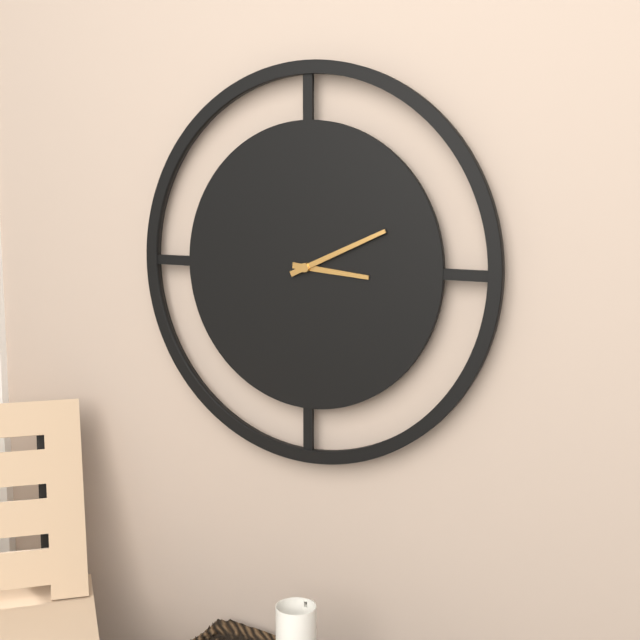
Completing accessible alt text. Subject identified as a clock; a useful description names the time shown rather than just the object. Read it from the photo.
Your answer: 3:11
